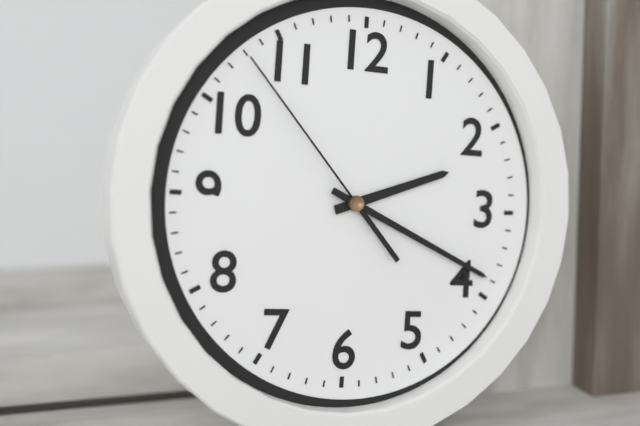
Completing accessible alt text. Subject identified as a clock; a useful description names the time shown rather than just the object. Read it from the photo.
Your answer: 2:19:53
